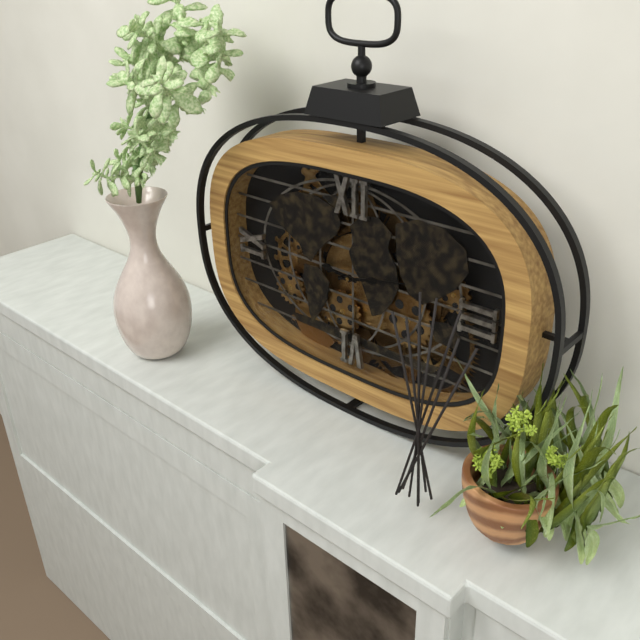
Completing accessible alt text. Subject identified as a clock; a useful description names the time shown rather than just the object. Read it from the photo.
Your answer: 9:13
